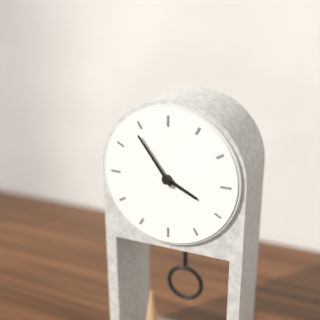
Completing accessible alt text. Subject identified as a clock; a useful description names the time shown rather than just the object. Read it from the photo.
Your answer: 3:54
